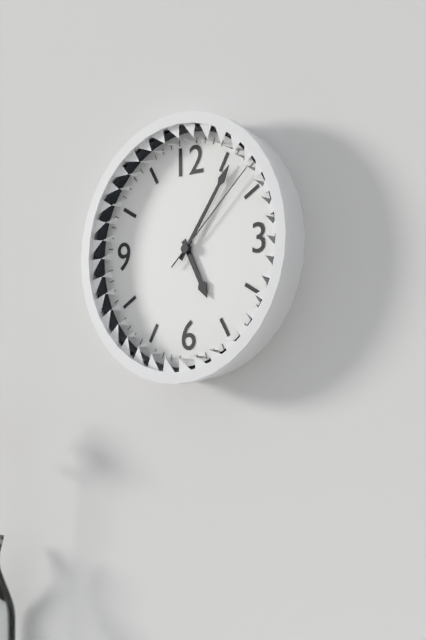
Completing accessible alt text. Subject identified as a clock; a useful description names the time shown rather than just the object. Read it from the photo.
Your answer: 5:06:08
